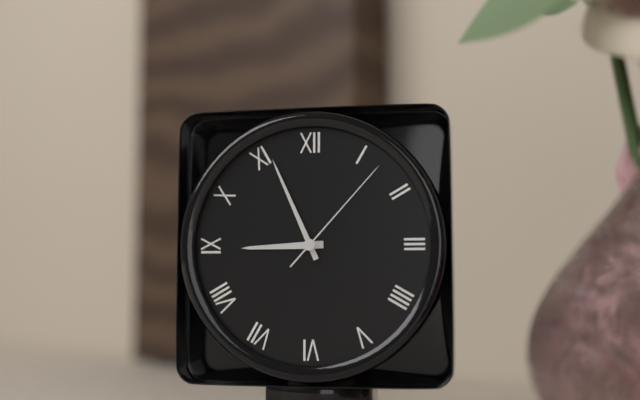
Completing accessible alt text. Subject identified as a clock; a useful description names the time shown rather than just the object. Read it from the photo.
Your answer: 8:56:07
